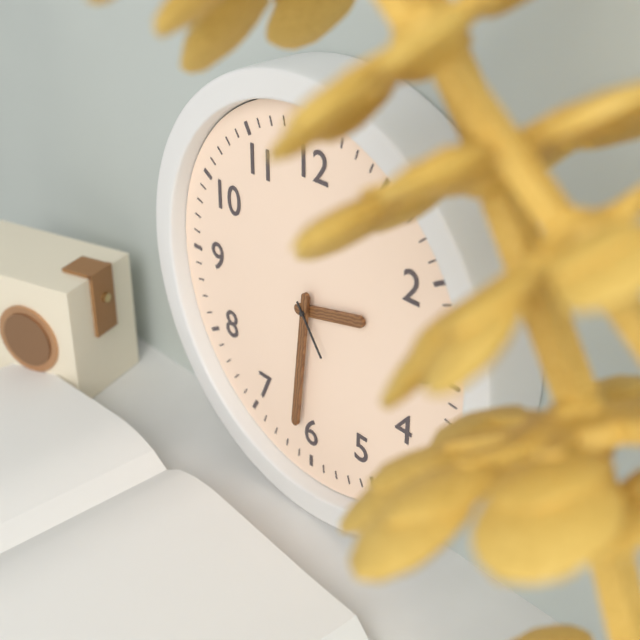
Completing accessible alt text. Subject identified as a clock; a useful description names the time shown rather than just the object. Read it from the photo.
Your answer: 2:31:24
